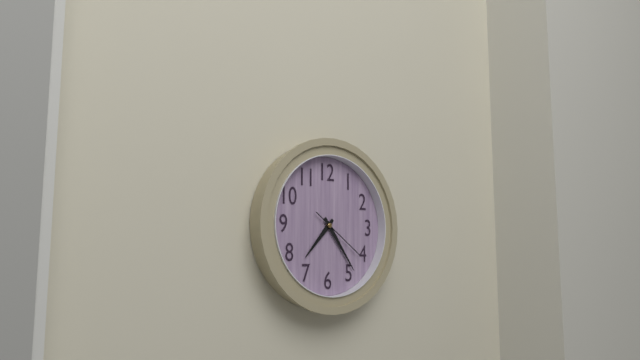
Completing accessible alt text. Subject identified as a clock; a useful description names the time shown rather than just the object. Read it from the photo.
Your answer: 7:24:21
